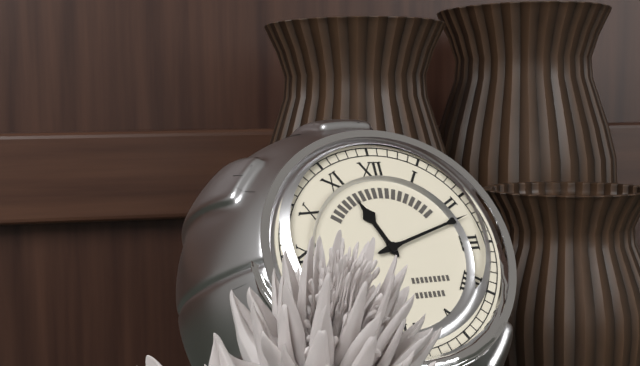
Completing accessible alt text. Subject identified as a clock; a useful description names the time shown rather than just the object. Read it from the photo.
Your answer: 11:12
